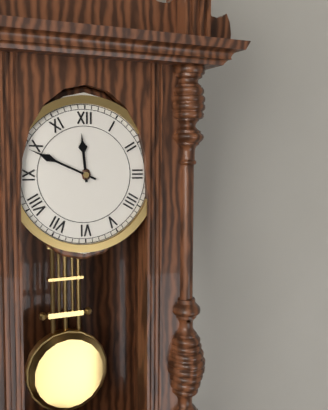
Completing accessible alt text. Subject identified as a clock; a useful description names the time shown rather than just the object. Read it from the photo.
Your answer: 11:49
